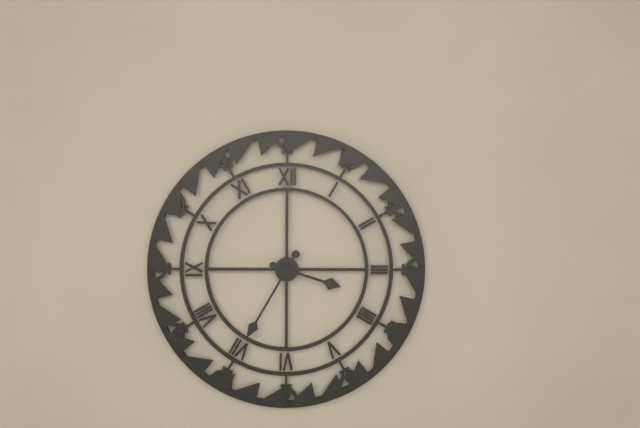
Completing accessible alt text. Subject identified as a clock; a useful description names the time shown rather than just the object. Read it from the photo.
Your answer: 3:35
